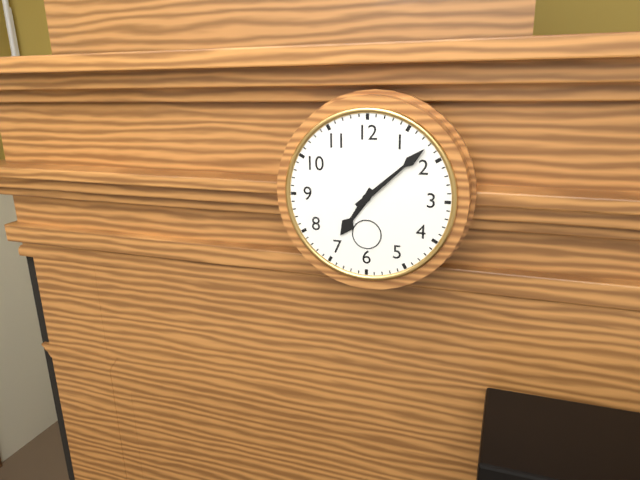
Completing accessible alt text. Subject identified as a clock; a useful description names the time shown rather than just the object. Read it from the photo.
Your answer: 7:08
